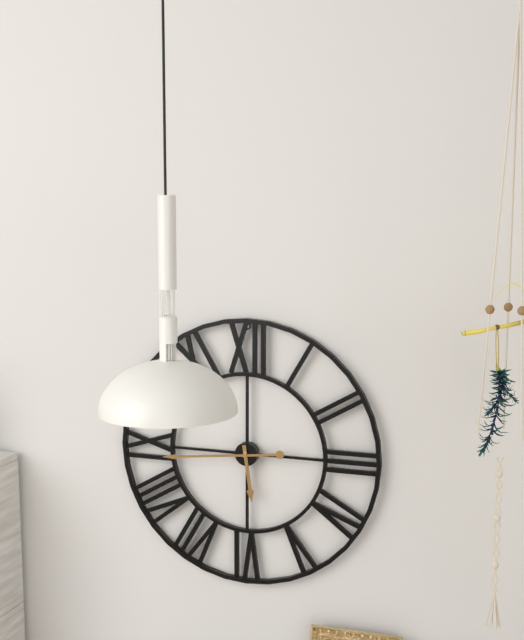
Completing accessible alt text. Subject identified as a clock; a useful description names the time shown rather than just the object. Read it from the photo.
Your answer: 5:44
